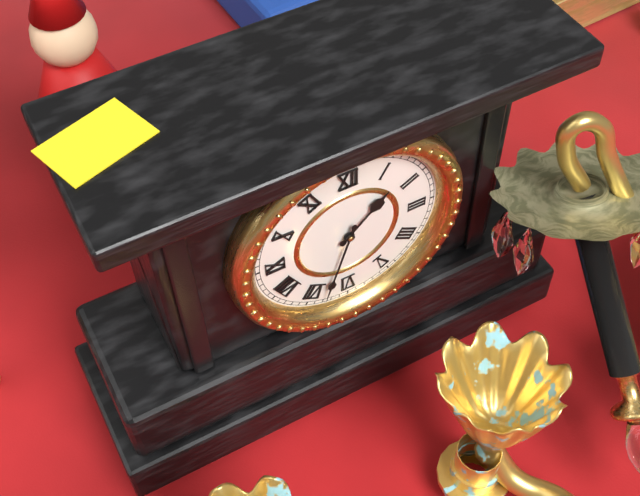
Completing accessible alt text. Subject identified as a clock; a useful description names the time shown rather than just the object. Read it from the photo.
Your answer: 1:33
